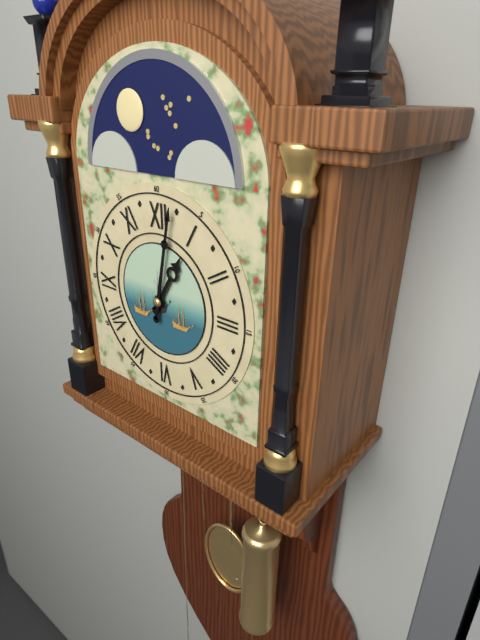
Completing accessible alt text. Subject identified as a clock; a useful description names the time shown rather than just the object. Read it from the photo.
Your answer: 1:02
